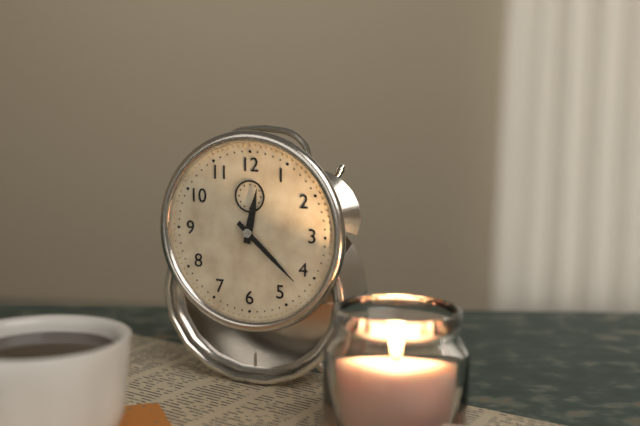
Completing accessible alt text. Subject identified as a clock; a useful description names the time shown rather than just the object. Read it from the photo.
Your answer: 12:22
